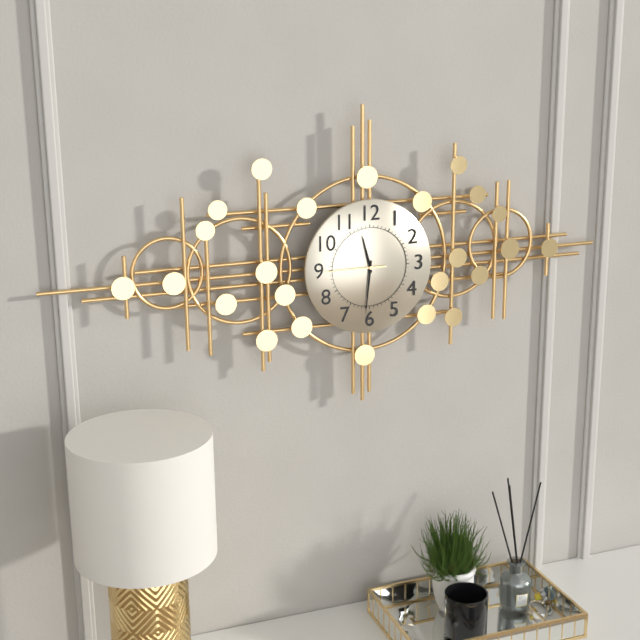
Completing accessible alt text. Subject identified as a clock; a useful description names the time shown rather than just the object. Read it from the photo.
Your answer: 11:31:45
